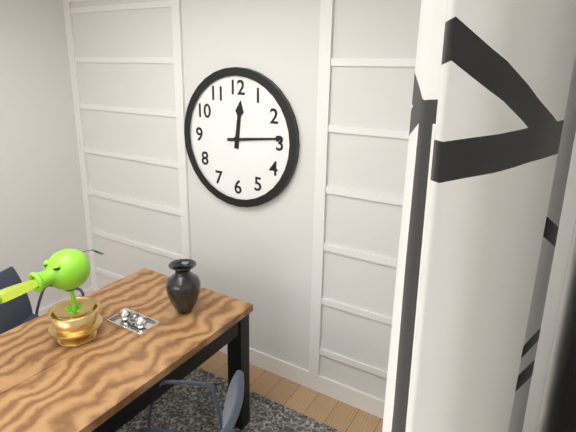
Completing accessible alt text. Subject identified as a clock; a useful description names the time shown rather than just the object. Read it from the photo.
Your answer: 12:14
